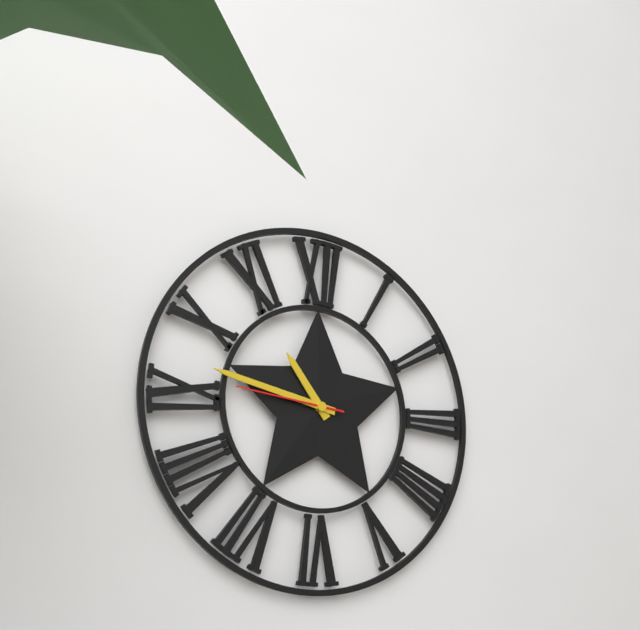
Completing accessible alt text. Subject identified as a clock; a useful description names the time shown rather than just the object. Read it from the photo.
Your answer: 10:47:46
